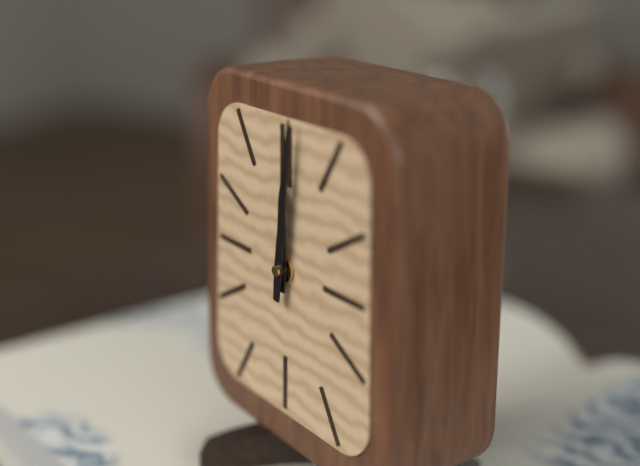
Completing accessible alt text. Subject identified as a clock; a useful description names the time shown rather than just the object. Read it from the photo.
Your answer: 12:01
